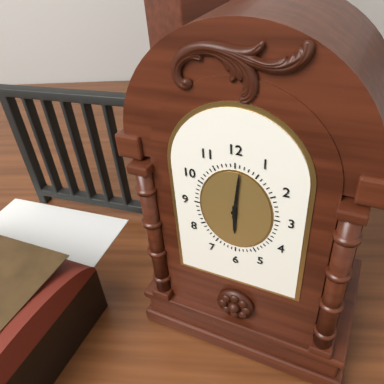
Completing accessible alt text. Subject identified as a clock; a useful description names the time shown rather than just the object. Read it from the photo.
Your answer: 6:01
